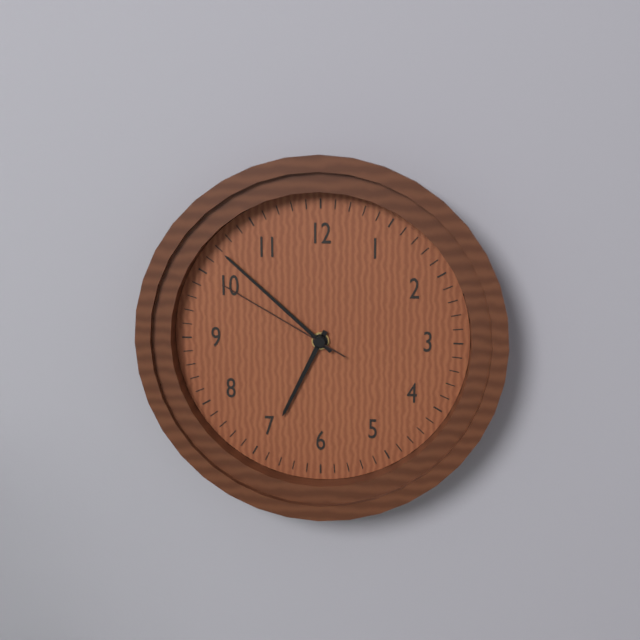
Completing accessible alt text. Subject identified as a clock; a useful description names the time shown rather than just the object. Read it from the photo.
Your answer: 6:52:50
